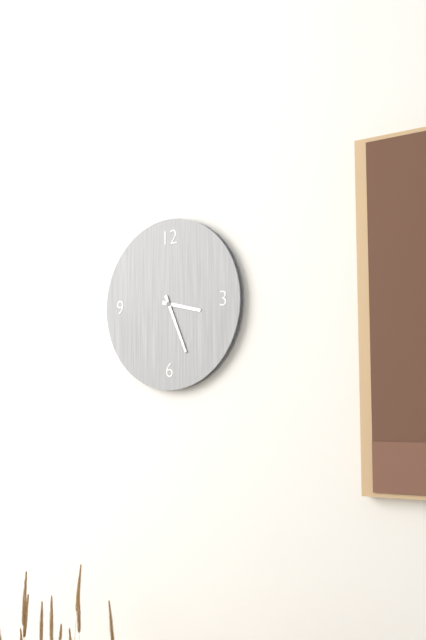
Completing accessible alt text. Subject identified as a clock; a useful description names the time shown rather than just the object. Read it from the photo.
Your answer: 3:26
